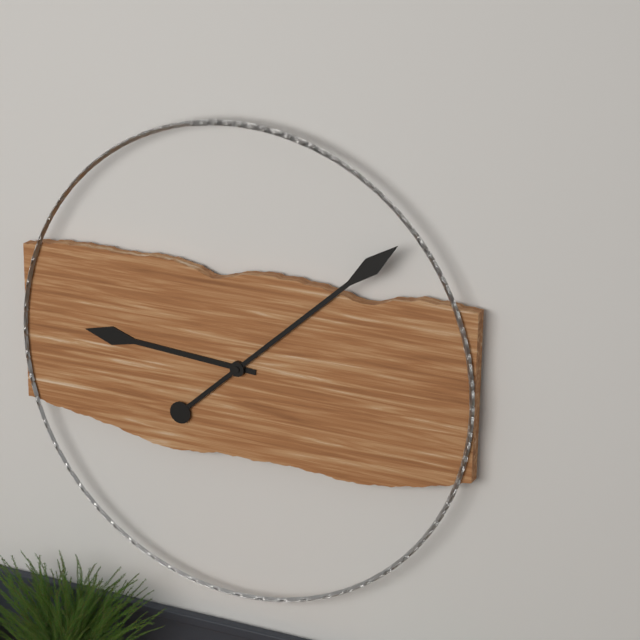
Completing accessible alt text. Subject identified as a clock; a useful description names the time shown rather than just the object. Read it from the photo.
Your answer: 9:08
